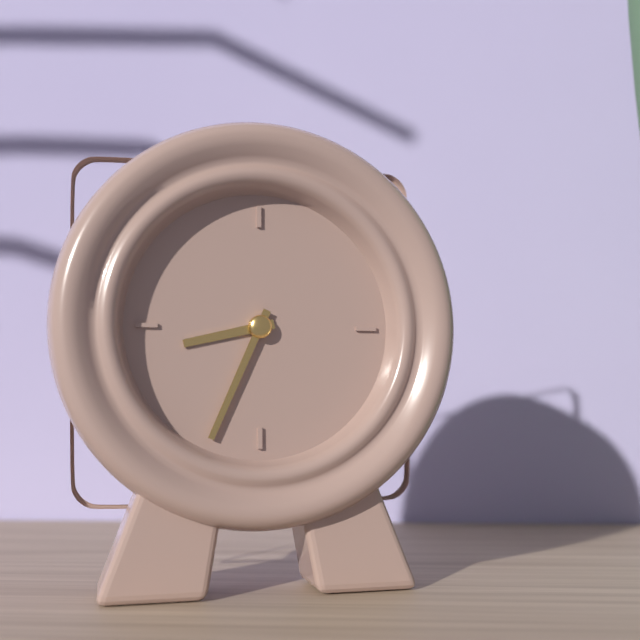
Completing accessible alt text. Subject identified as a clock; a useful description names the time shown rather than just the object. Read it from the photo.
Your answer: 8:34
